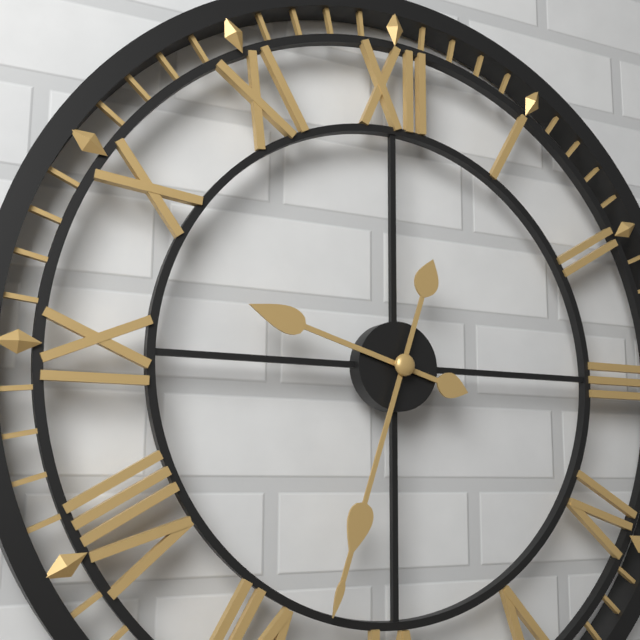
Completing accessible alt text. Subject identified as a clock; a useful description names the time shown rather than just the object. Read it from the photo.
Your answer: 9:33
